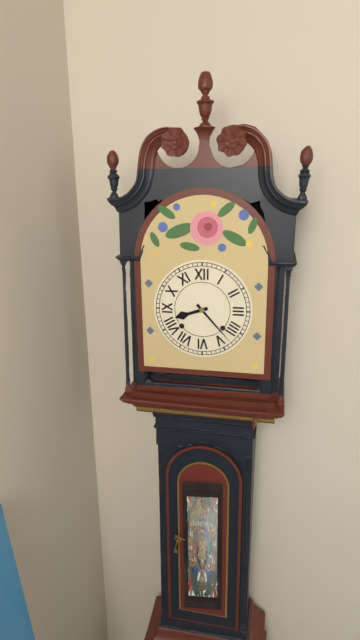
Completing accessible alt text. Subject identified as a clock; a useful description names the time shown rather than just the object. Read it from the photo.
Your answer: 8:23
